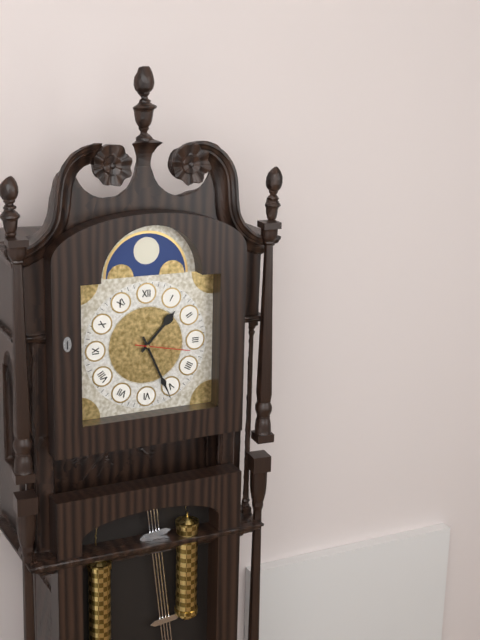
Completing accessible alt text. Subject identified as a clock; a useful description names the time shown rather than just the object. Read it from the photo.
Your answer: 1:26:17
